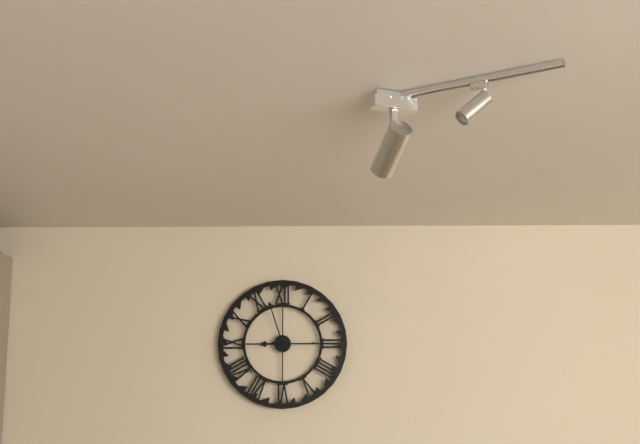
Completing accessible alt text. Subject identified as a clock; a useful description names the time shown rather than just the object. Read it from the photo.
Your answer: 8:57
